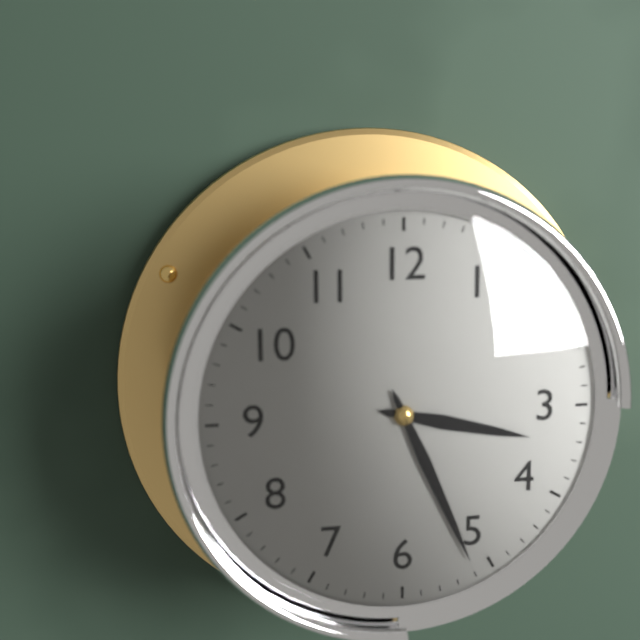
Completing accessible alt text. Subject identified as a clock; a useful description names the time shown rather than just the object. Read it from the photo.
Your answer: 3:26
